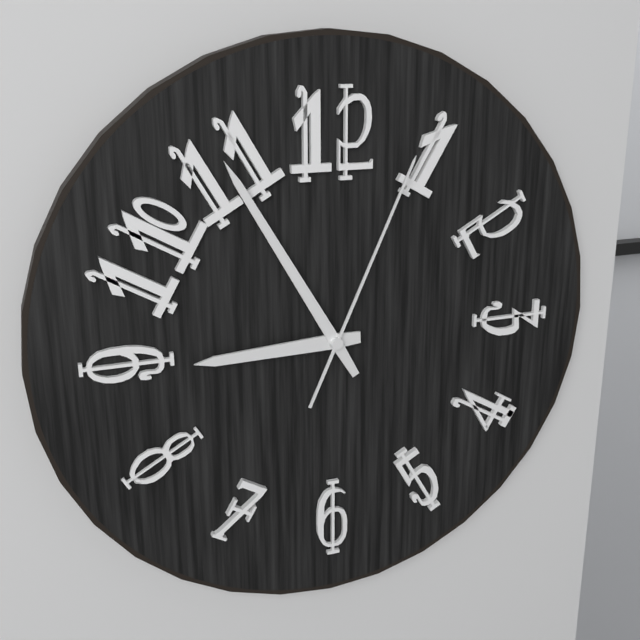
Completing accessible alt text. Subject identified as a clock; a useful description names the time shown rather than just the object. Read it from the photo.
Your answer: 8:55:04
